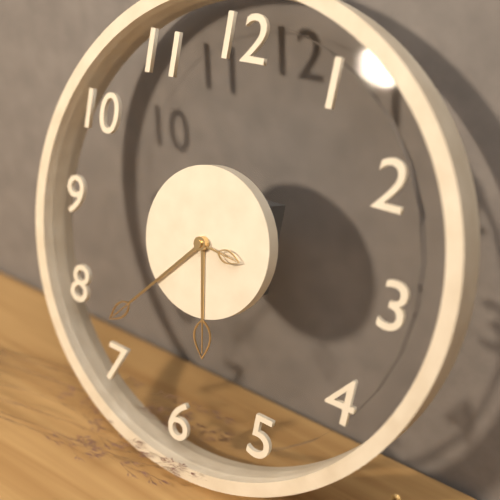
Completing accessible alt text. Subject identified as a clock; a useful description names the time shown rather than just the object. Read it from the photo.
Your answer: 5:37:16
